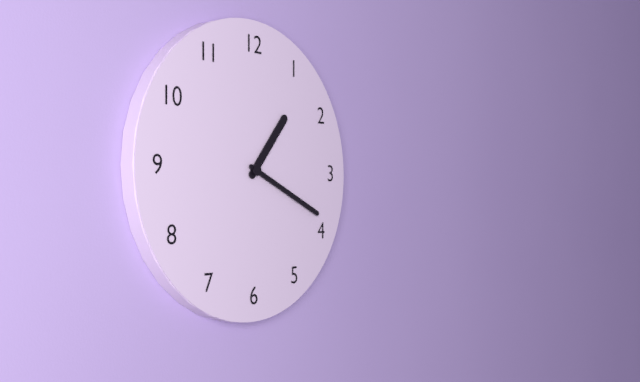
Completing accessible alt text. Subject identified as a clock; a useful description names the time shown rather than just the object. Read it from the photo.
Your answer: 1:19
